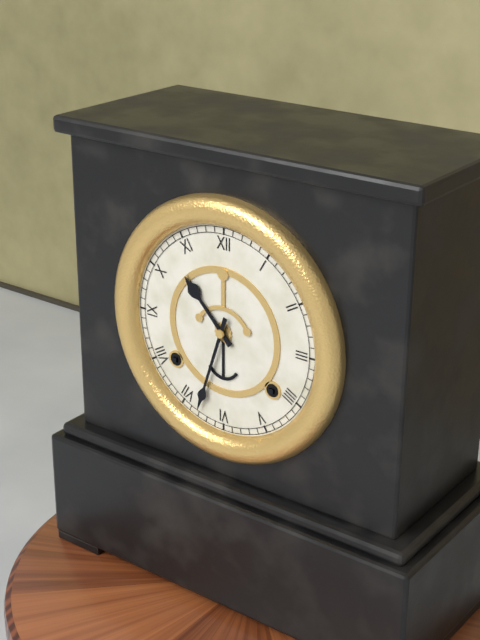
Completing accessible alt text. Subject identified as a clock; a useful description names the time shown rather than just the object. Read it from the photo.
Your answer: 10:33
